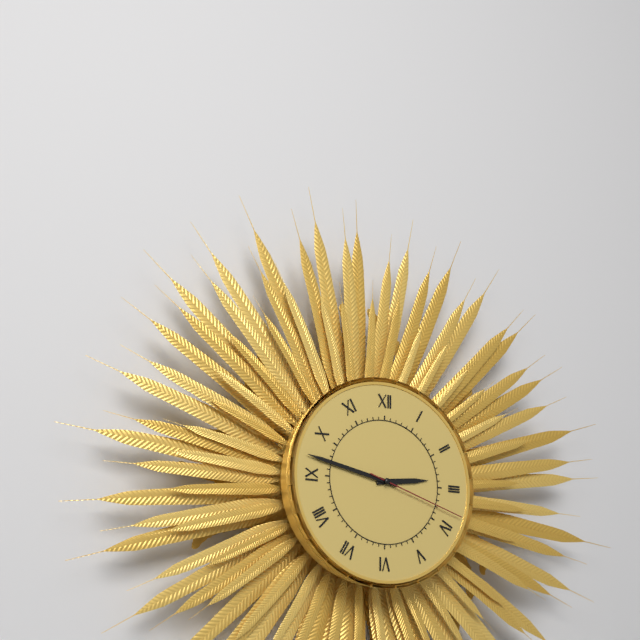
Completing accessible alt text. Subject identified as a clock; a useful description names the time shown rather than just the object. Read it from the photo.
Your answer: 2:47:18
